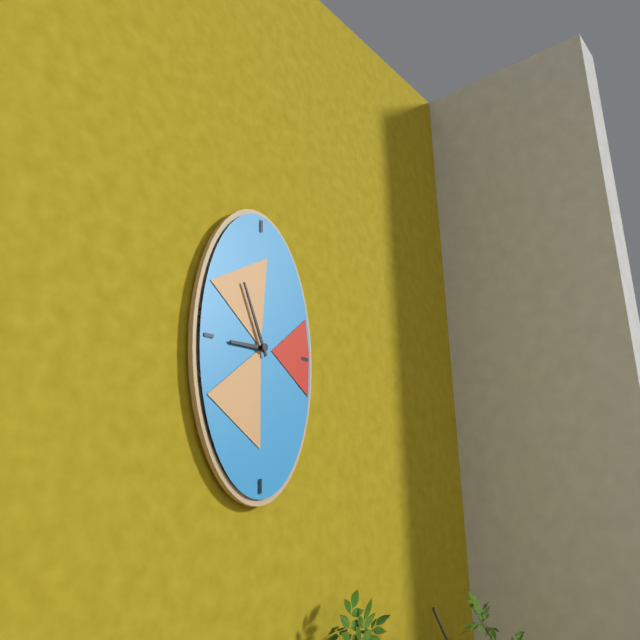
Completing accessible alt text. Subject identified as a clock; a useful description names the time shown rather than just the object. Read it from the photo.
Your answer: 8:56
